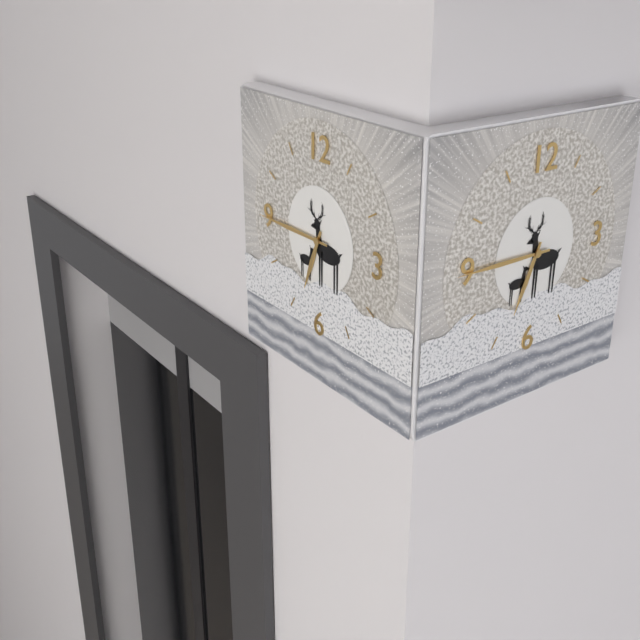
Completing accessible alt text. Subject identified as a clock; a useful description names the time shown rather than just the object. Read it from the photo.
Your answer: 6:45
